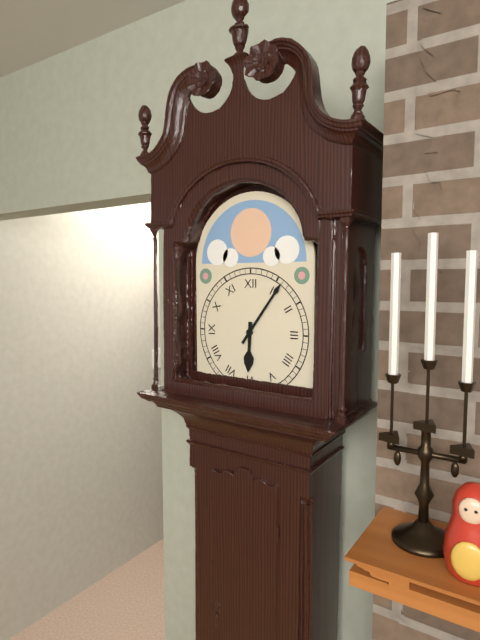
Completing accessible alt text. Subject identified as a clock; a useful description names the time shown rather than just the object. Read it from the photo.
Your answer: 6:06
